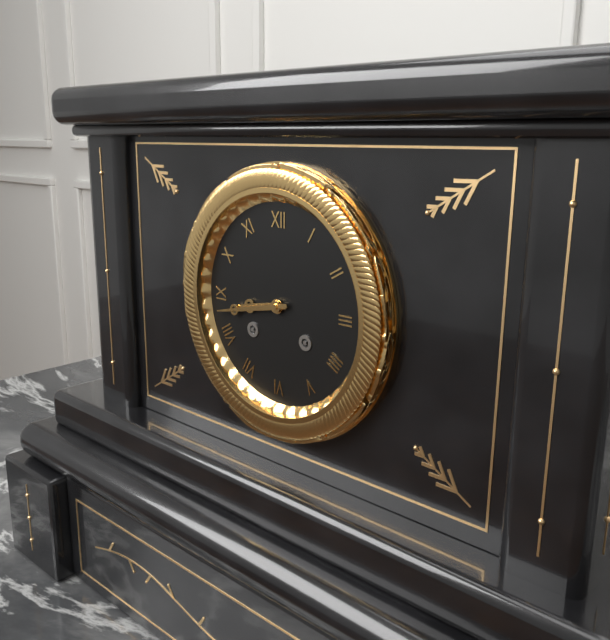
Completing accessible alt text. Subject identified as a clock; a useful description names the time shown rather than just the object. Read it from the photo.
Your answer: 8:43
